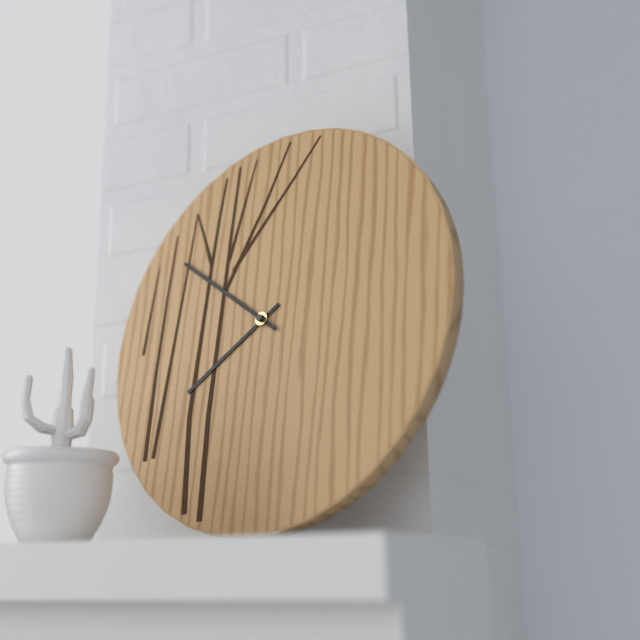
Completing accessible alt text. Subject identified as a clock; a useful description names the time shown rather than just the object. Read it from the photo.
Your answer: 7:51
